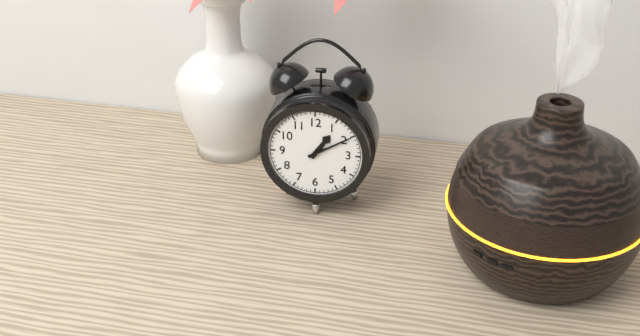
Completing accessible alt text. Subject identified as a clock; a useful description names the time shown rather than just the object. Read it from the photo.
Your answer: 1:10
